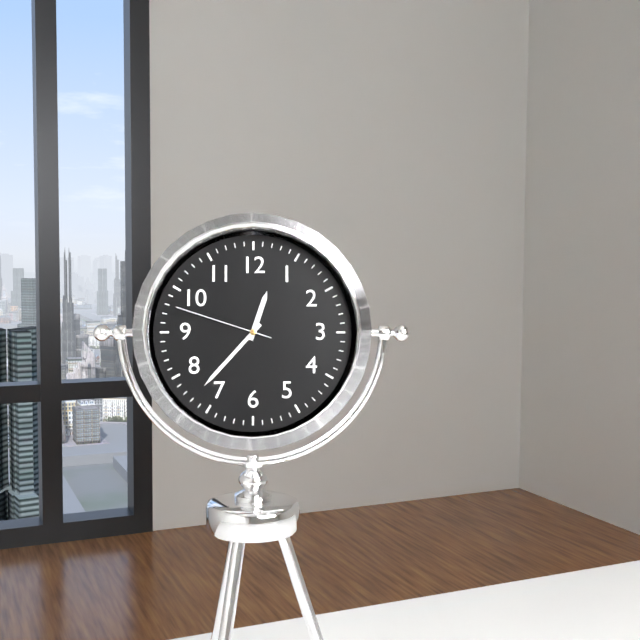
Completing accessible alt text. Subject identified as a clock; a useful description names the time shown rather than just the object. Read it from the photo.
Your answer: 12:37:48
